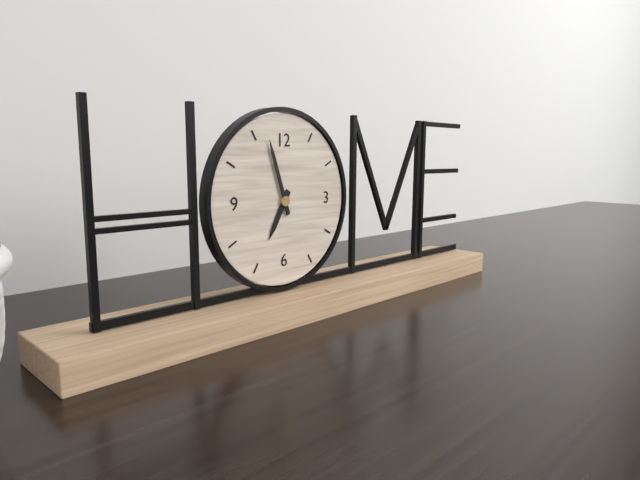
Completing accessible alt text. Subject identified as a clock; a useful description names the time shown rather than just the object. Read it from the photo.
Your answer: 6:57
